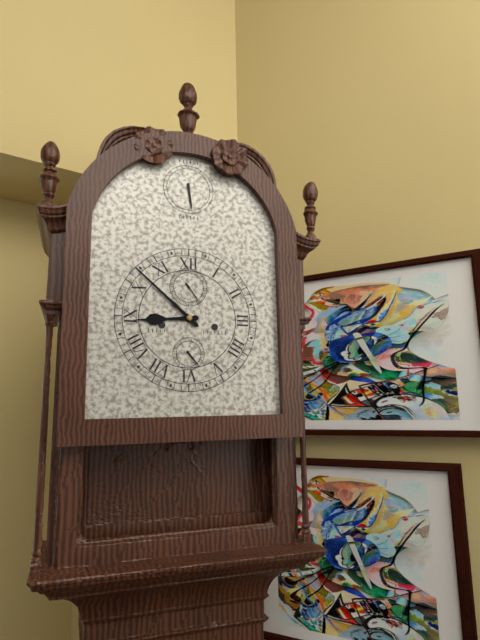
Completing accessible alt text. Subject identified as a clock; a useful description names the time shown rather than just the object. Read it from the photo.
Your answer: 8:52
